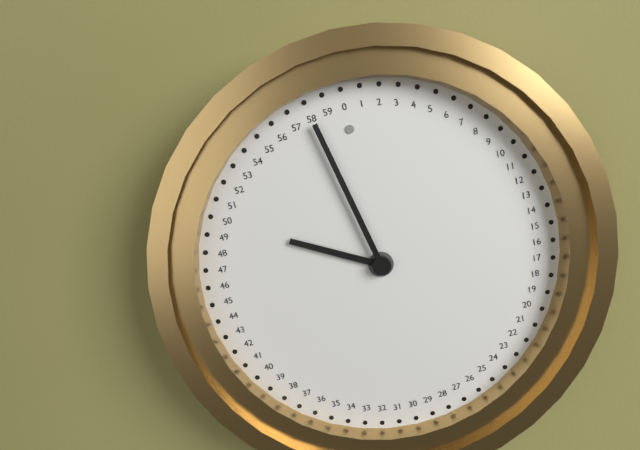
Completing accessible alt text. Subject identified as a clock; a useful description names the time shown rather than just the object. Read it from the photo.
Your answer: 9:58
